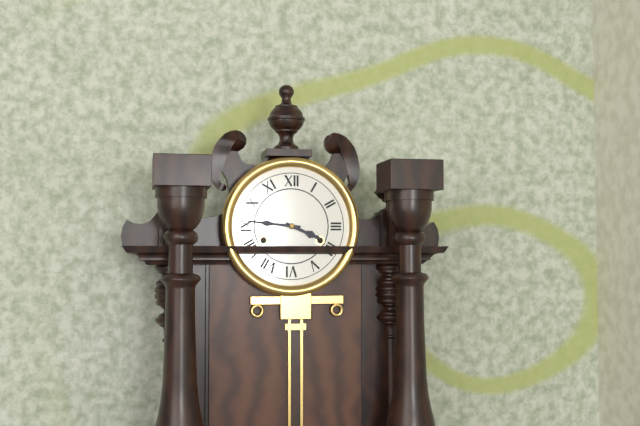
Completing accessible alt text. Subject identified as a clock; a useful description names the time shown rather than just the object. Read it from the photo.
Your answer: 3:46
